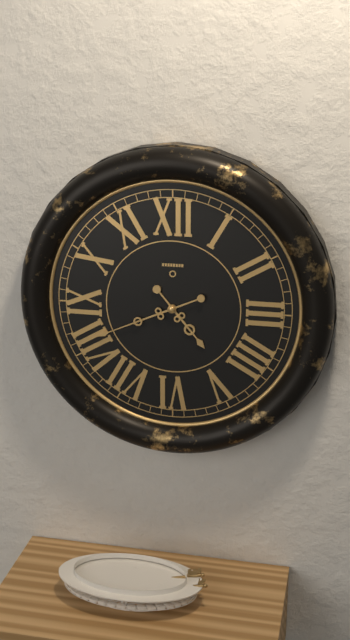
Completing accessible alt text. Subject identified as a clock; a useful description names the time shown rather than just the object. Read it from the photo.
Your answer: 4:41
